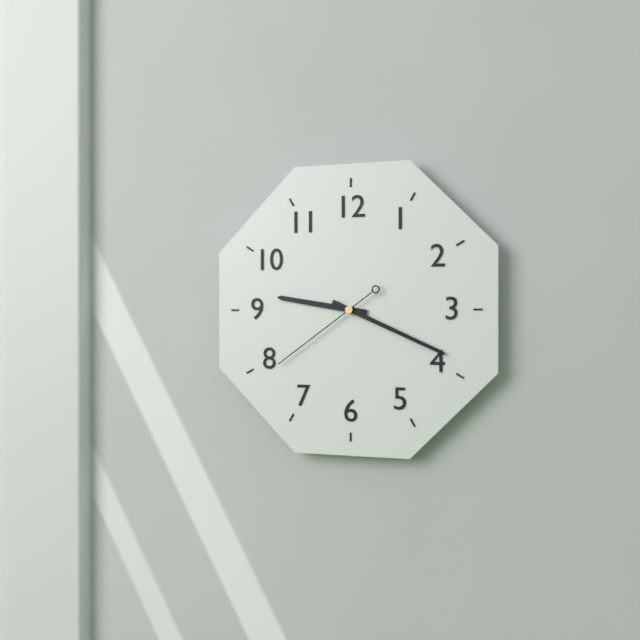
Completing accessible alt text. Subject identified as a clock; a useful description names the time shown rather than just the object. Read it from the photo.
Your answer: 9:19:39
